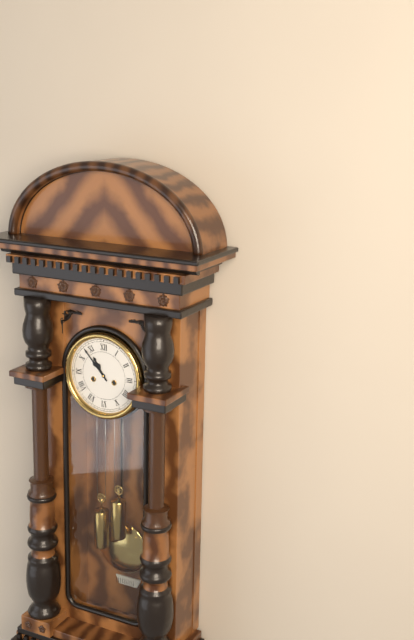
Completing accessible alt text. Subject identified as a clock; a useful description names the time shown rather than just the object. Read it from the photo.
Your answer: 10:53
